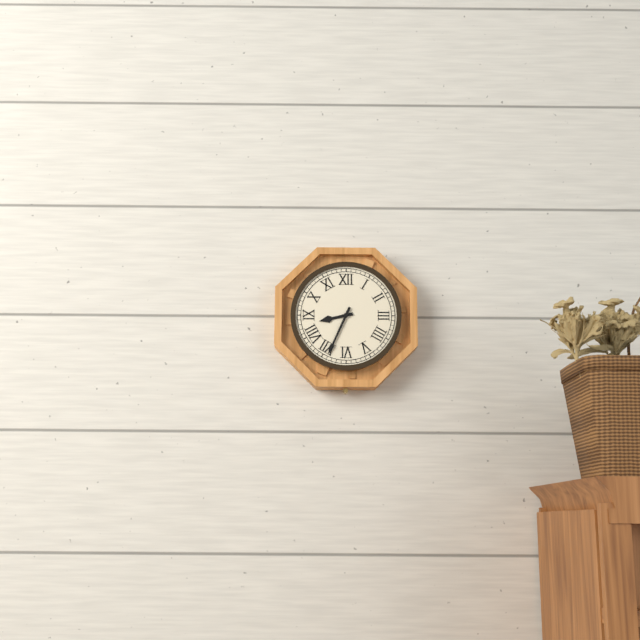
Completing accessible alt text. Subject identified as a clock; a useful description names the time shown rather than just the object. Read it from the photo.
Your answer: 8:34
